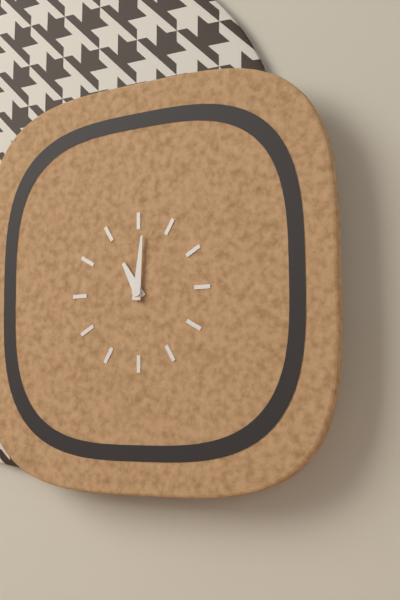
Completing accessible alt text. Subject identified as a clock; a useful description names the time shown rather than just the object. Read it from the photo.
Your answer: 11:01
